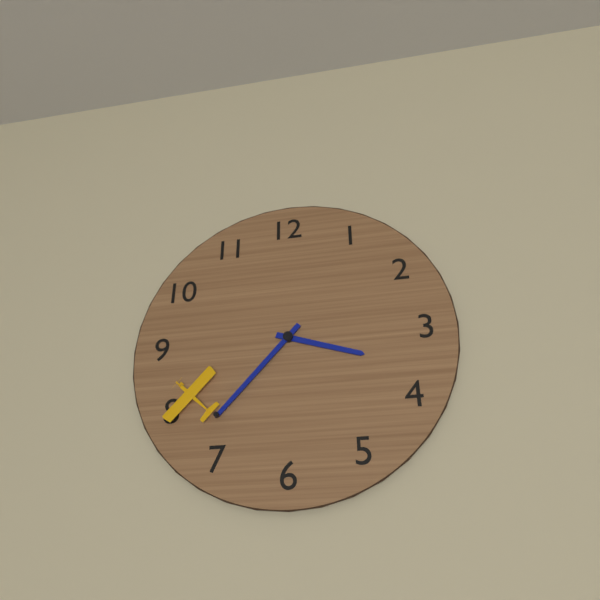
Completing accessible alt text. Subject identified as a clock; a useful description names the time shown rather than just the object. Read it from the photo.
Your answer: 3:37
